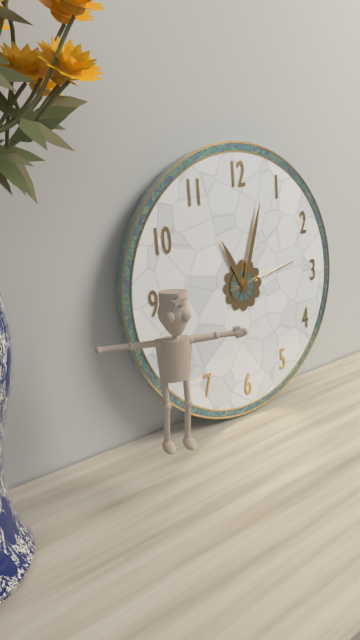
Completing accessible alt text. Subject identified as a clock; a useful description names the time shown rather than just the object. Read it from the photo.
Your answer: 11:03:13
